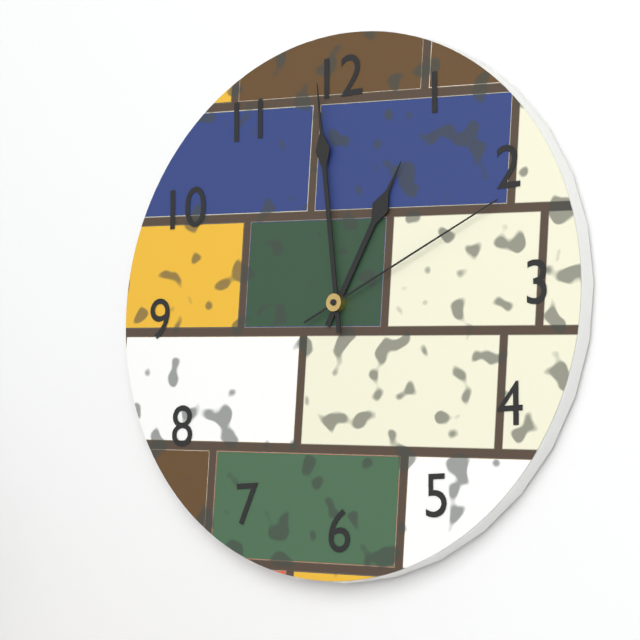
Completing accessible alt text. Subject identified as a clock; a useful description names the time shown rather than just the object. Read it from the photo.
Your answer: 12:59:11
